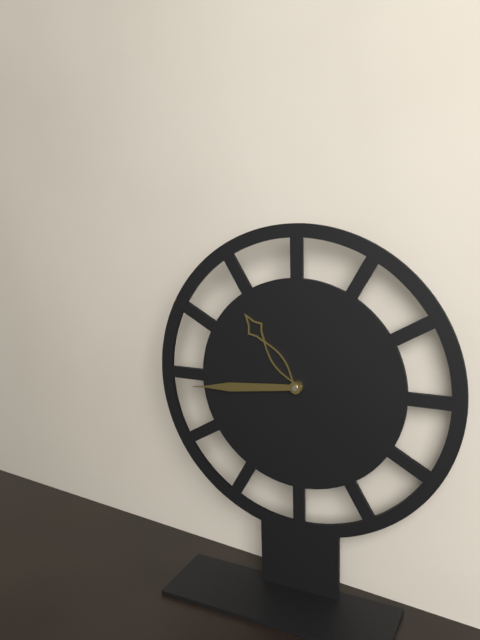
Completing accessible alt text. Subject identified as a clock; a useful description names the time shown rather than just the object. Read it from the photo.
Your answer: 10:44
